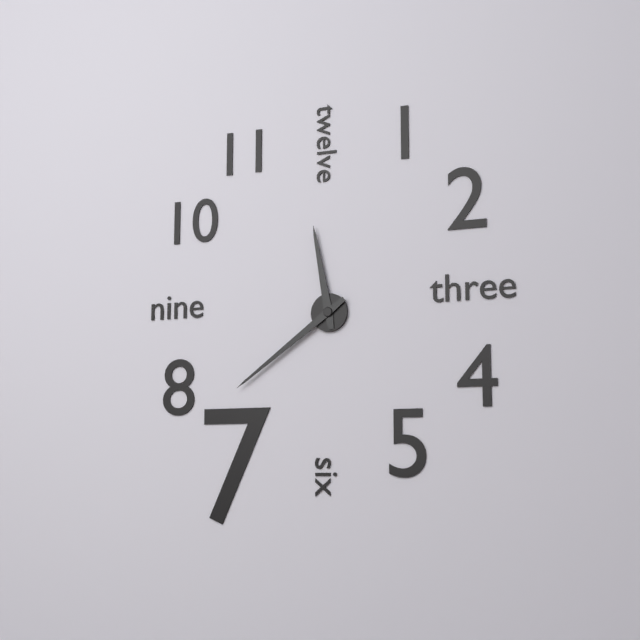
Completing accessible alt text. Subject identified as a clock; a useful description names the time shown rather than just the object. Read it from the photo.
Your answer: 11:39
